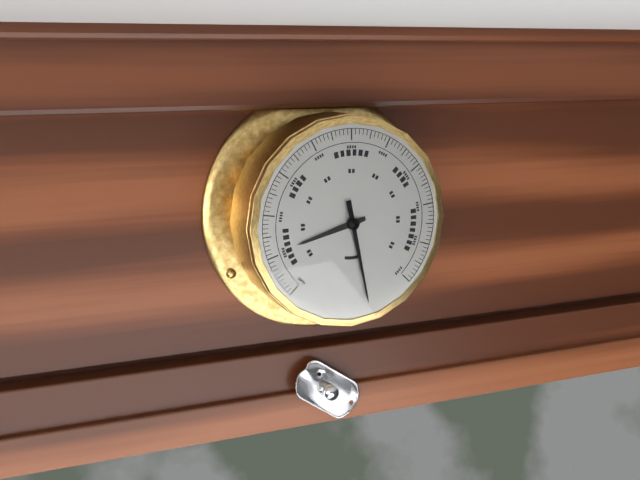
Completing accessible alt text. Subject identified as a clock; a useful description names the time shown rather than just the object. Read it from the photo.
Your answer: 8:28
